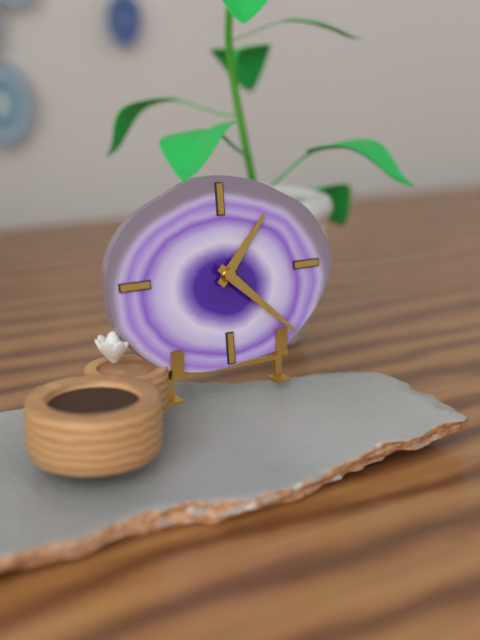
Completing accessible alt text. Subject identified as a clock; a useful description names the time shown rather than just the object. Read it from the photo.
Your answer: 1:22
